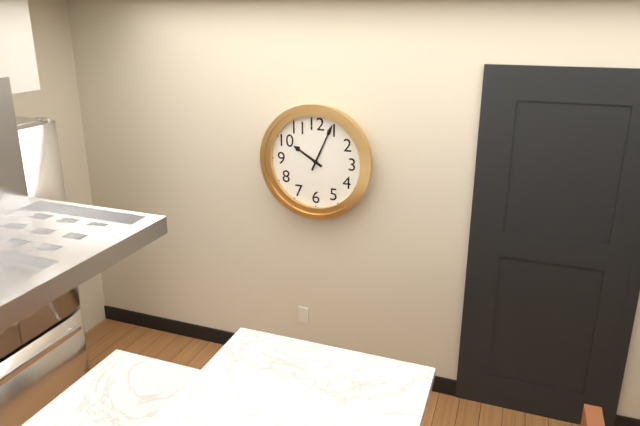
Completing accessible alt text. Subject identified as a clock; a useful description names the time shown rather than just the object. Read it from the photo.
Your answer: 10:04
